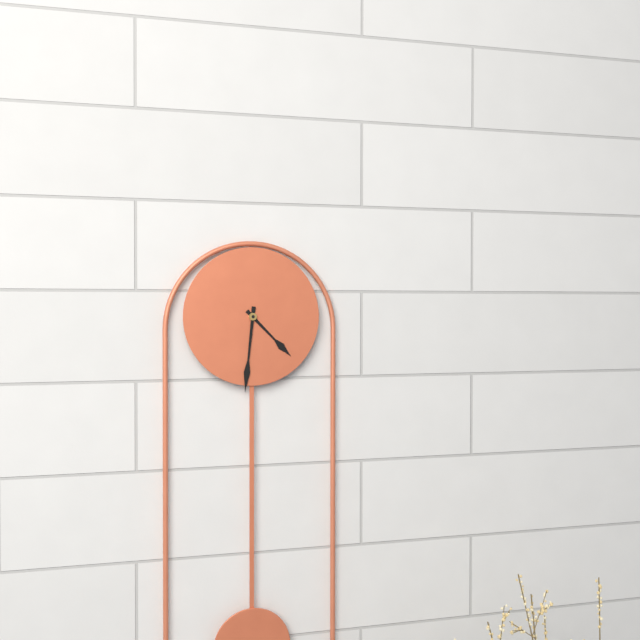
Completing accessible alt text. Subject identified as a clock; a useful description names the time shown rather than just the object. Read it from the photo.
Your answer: 4:31
